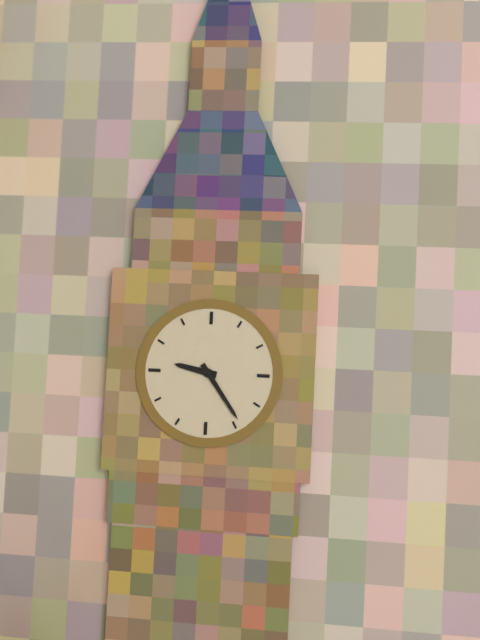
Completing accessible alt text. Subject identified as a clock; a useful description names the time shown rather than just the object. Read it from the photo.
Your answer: 9:24
